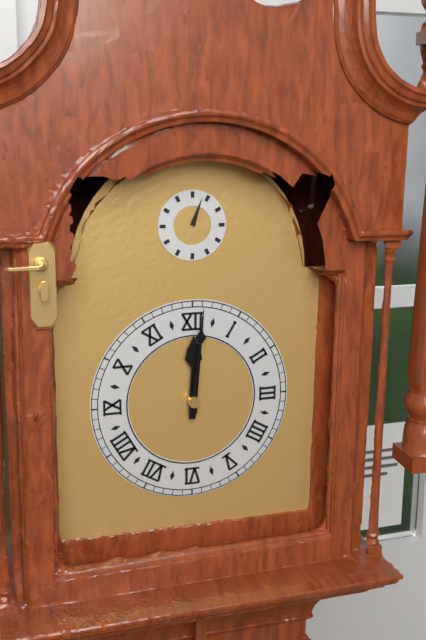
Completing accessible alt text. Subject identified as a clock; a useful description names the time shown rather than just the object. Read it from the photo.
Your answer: 12:01
